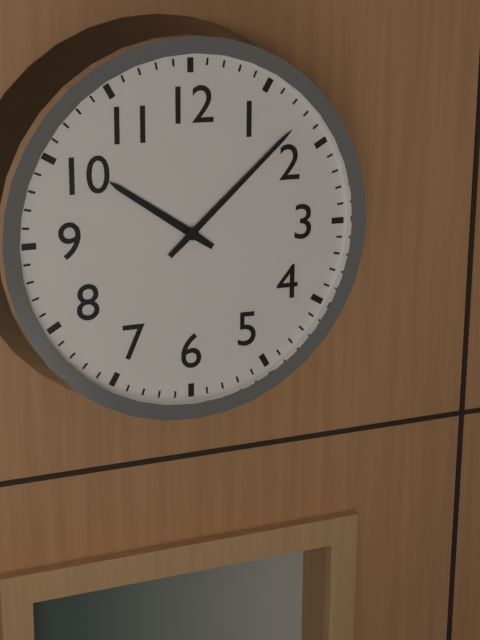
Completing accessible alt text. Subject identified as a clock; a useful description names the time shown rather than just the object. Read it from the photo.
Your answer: 10:08
